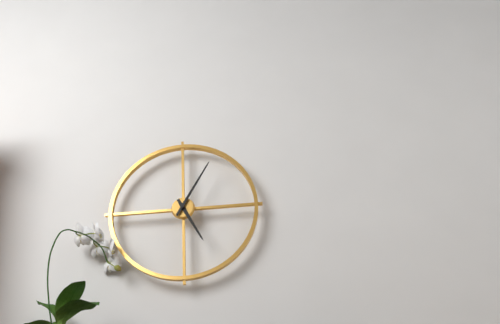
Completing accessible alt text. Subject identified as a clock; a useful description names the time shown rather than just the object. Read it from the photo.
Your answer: 5:05
